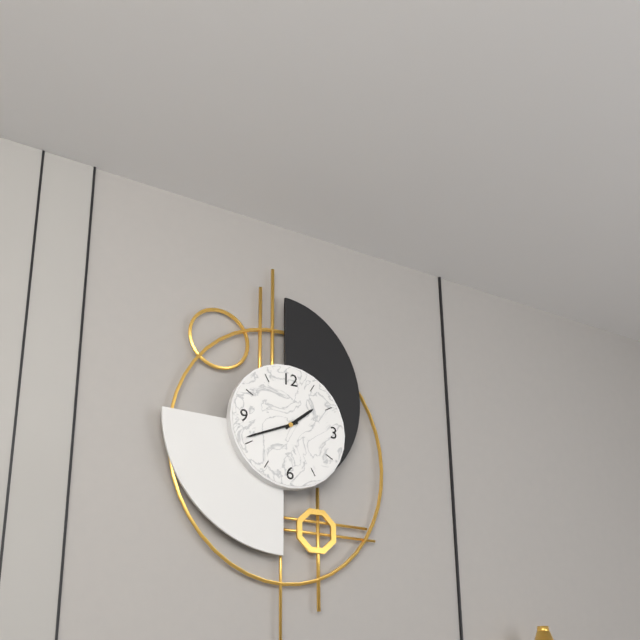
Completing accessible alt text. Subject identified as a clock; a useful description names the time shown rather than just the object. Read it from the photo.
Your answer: 1:41
